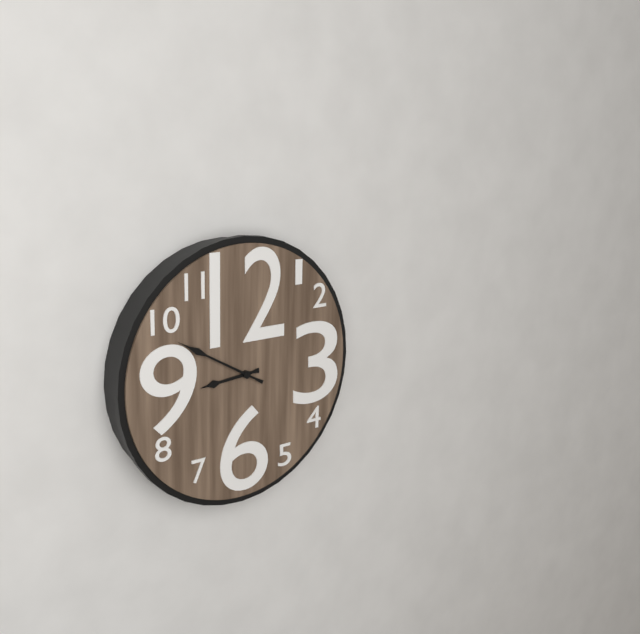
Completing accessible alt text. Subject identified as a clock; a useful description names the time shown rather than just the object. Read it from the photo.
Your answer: 8:50
